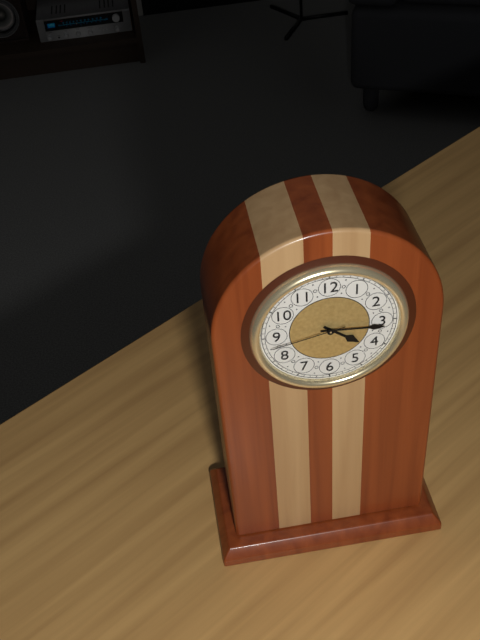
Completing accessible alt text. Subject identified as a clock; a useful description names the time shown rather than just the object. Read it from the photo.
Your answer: 4:16:43
